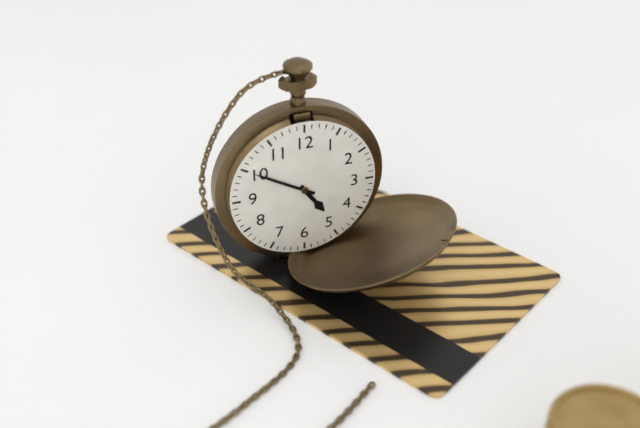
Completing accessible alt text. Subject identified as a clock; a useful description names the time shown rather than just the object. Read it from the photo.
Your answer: 4:50
